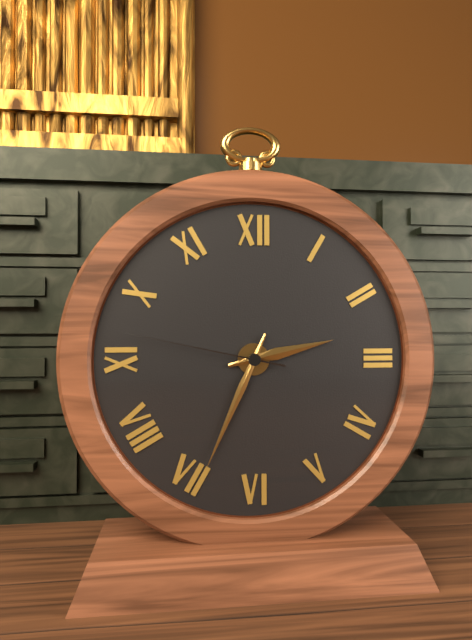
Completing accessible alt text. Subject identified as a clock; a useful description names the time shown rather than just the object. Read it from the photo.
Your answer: 2:34:47
